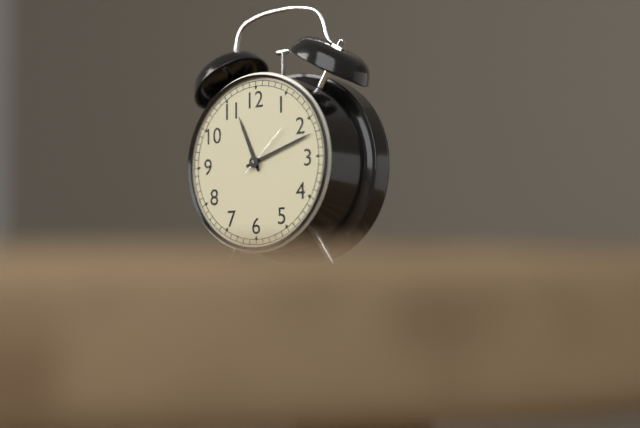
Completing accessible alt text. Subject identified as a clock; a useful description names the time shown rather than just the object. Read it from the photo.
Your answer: 11:12:08
